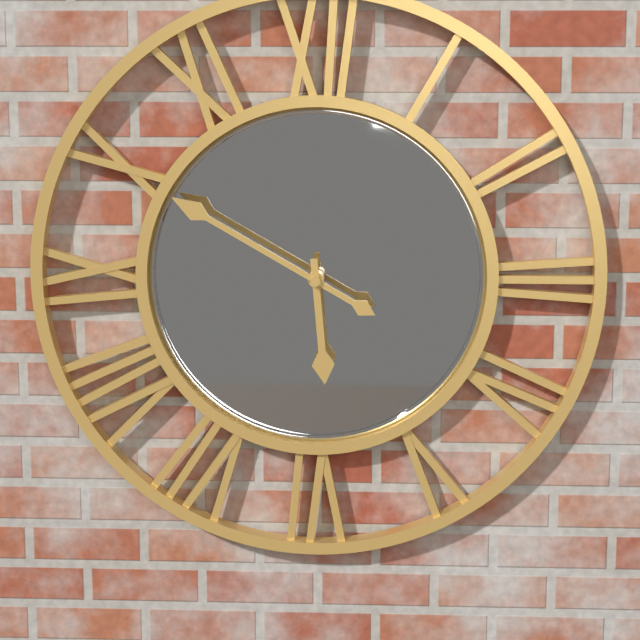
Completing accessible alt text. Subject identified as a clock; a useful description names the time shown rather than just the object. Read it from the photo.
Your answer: 5:50
